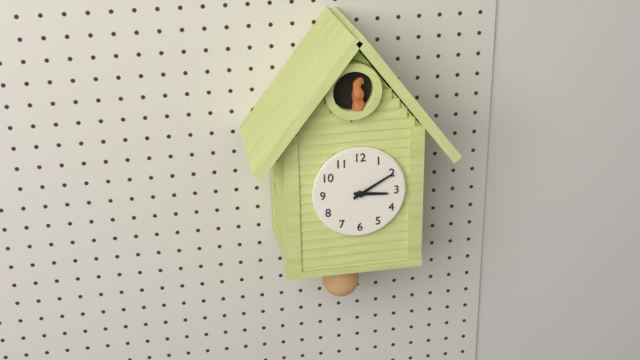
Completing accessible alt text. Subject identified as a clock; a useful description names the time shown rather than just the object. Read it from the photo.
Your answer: 3:10
